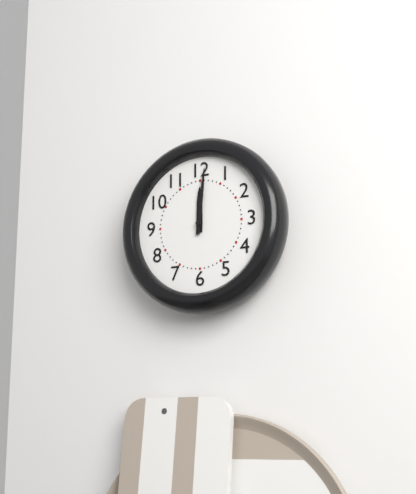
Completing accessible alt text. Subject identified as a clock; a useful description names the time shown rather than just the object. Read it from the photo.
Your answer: 12:01
